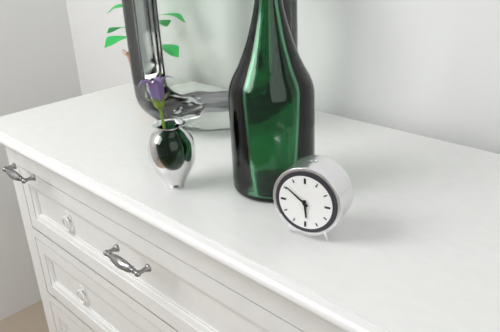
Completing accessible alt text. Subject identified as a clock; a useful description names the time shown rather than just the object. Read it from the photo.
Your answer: 5:51
